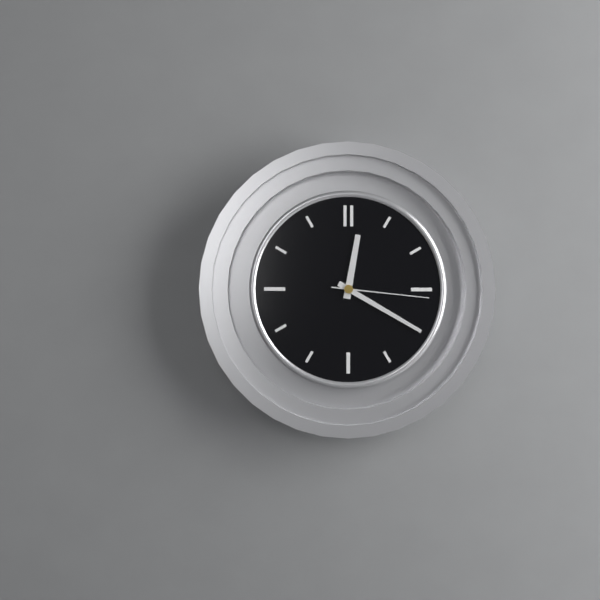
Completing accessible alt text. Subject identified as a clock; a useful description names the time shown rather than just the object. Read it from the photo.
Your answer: 12:20:16
